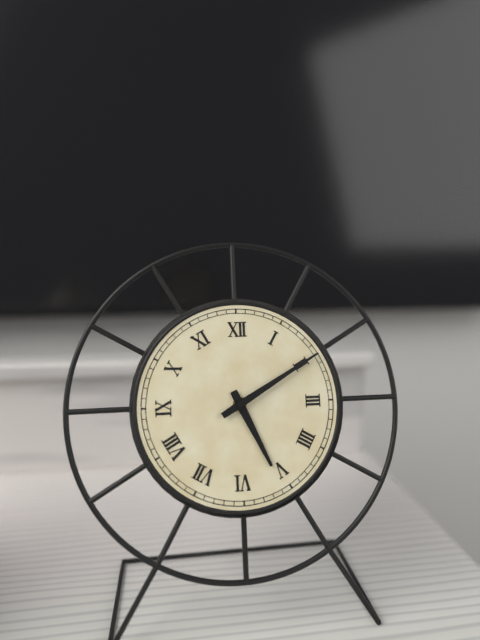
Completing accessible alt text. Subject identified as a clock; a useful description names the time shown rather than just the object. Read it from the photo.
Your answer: 5:10
